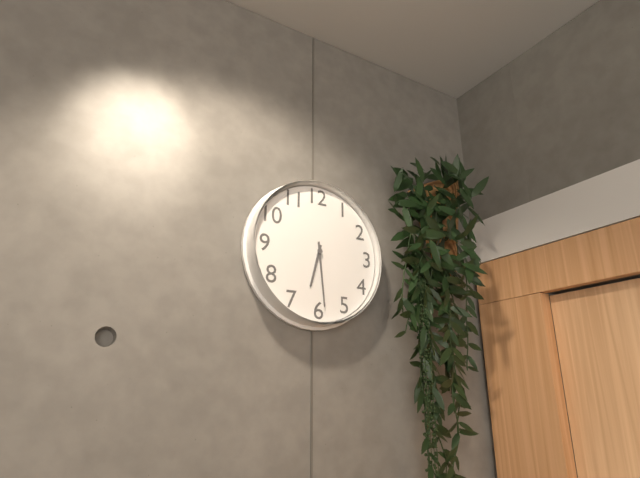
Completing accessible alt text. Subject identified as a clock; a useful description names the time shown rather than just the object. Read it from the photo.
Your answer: 6:29
